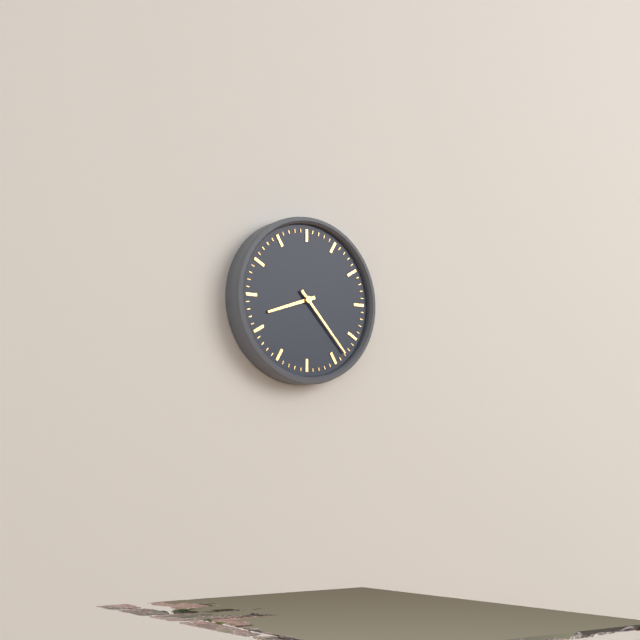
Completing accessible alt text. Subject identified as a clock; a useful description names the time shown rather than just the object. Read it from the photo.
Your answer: 8:23
